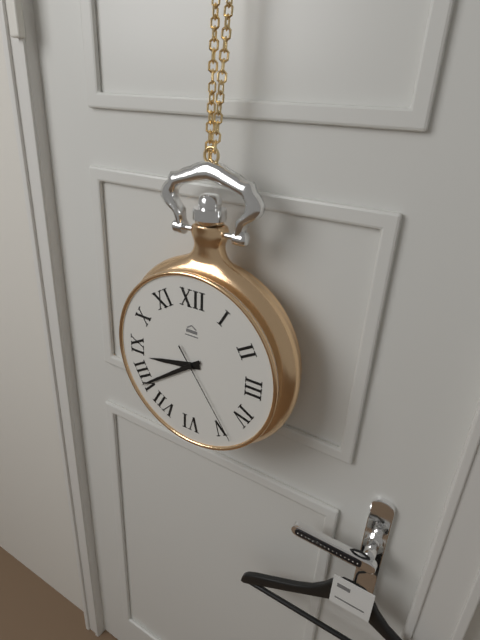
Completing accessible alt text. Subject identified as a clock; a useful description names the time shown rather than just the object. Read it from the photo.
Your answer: 8:39:24
